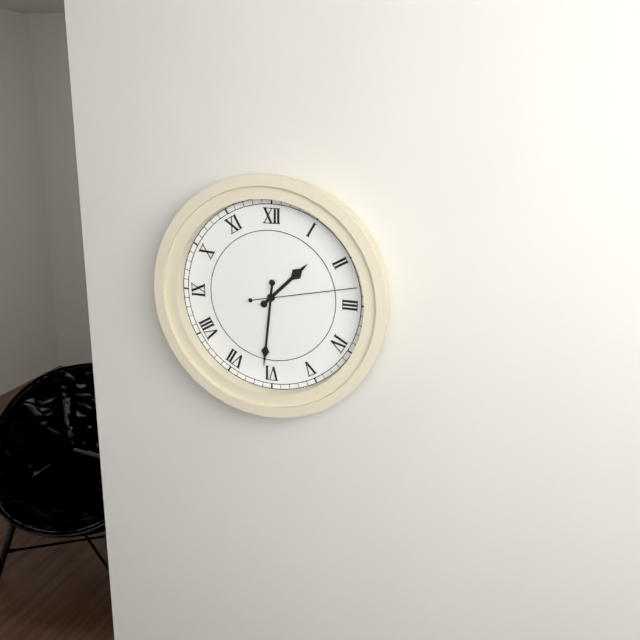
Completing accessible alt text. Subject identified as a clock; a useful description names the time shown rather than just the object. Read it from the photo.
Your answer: 1:31:13
